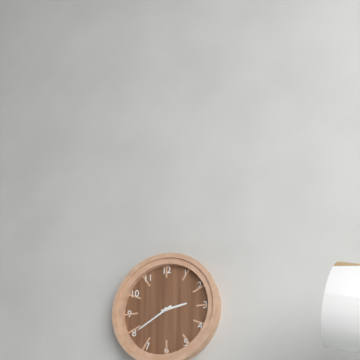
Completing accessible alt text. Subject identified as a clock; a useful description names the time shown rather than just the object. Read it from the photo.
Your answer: 2:40
